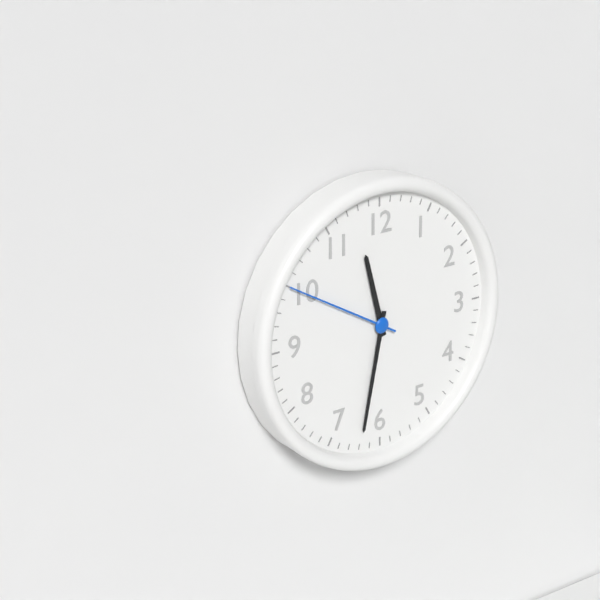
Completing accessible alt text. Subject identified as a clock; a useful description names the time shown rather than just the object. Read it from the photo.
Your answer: 11:32:50
